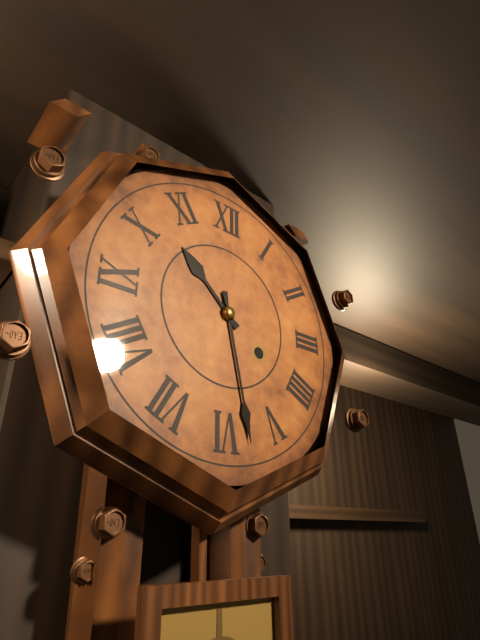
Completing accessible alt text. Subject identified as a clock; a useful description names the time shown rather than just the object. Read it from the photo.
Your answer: 10:28
